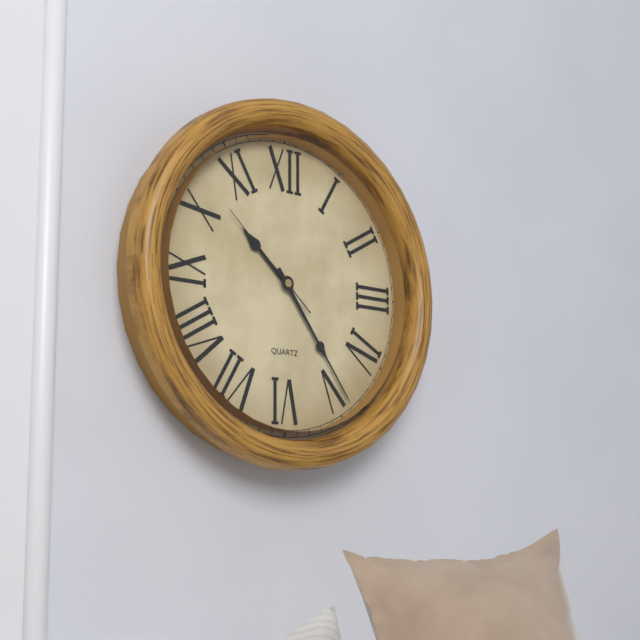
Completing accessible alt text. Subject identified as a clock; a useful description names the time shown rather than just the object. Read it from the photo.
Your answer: 10:24:52
